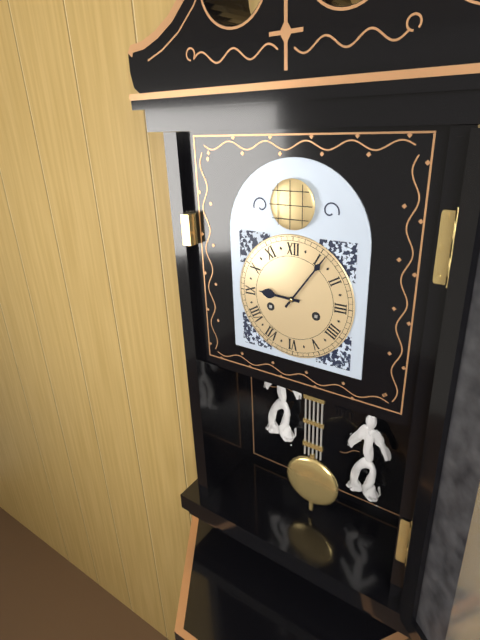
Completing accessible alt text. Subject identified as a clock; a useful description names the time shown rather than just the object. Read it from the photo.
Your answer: 9:06
